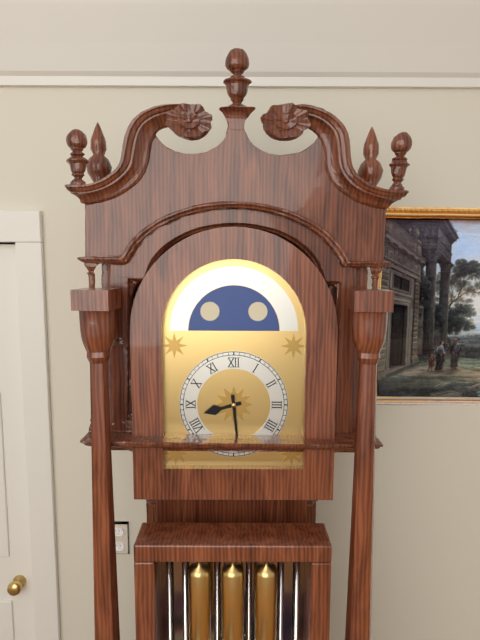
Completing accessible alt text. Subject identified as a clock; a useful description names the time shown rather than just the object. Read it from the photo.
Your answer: 8:29
